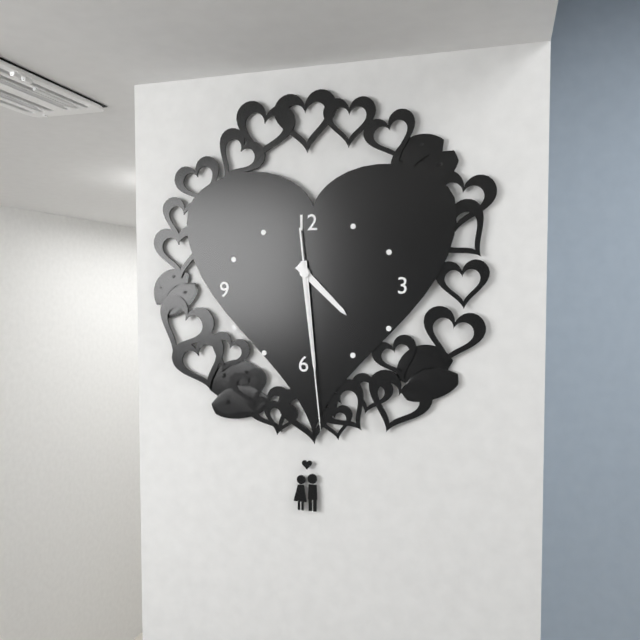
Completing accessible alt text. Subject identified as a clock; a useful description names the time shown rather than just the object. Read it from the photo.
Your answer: 4:29:29
